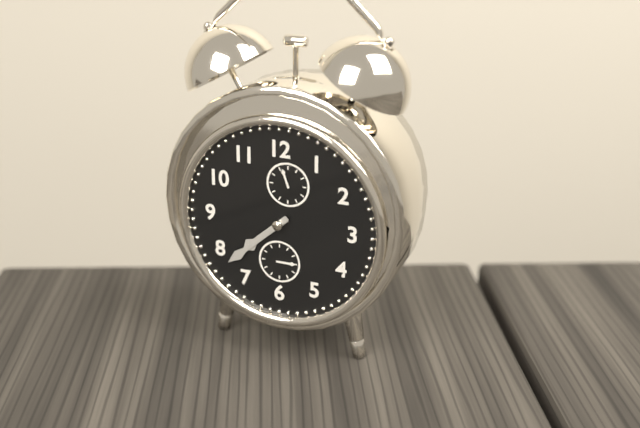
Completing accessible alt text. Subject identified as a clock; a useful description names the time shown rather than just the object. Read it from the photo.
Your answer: 7:38
